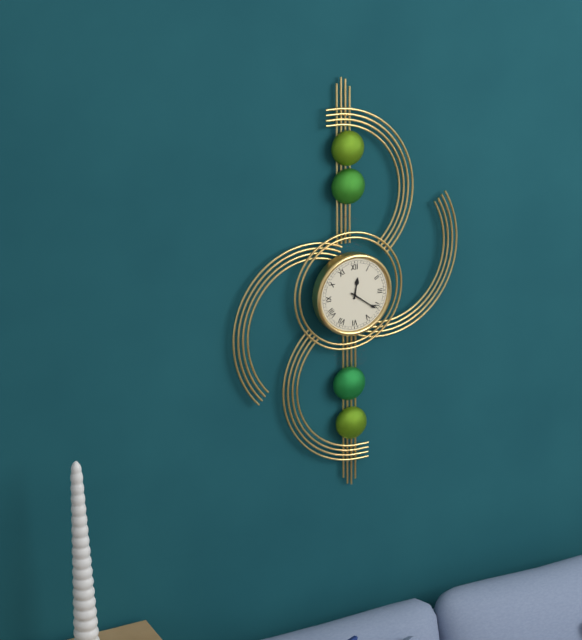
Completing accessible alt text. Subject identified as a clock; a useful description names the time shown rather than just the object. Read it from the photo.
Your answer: 12:21
